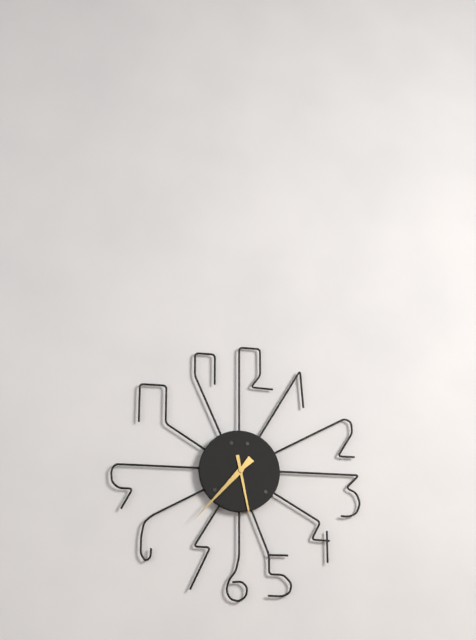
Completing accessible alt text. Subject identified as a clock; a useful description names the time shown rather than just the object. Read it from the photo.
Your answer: 5:37
